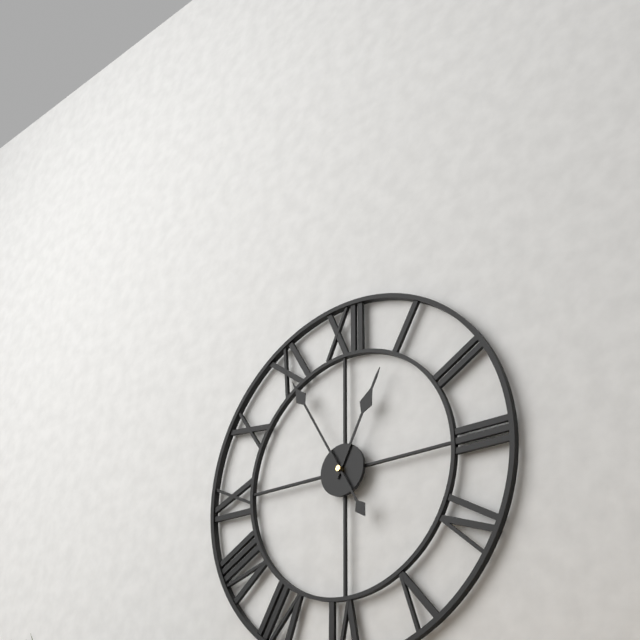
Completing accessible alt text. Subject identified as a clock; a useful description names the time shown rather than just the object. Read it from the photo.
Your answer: 12:55
